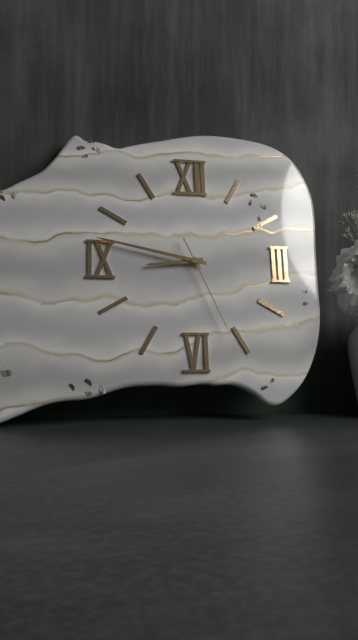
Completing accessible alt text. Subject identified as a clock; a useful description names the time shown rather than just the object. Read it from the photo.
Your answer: 8:47:26
